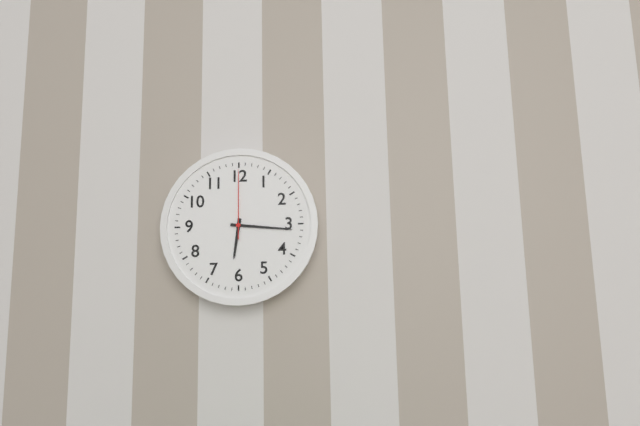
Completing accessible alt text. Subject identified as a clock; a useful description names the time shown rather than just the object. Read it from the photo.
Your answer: 6:16:00
